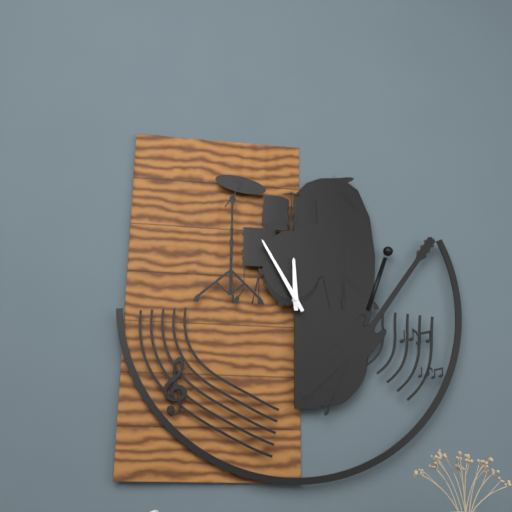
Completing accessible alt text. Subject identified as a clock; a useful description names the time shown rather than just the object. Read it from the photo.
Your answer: 11:55
